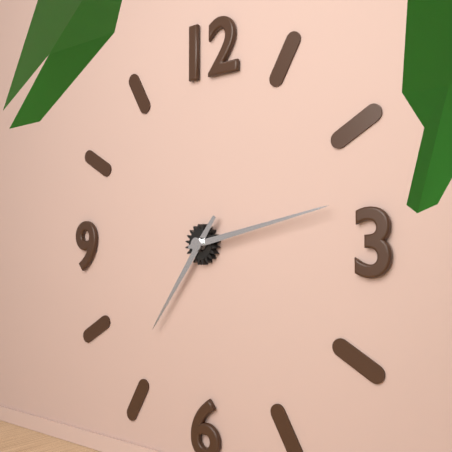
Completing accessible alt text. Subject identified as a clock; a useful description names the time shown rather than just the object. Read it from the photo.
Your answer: 7:13
